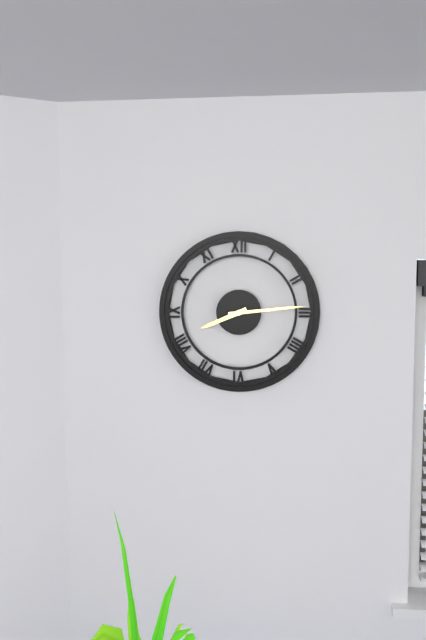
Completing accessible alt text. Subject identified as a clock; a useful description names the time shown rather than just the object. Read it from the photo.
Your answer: 8:14
